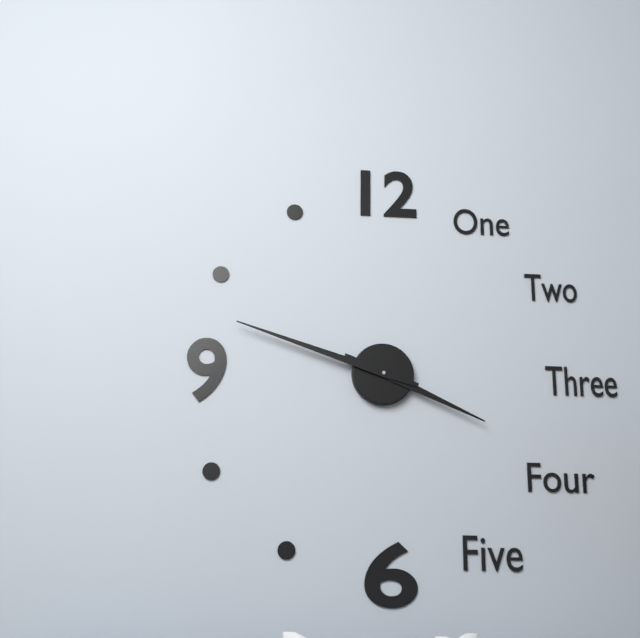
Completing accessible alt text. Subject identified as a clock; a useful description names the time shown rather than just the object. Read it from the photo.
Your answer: 3:48
